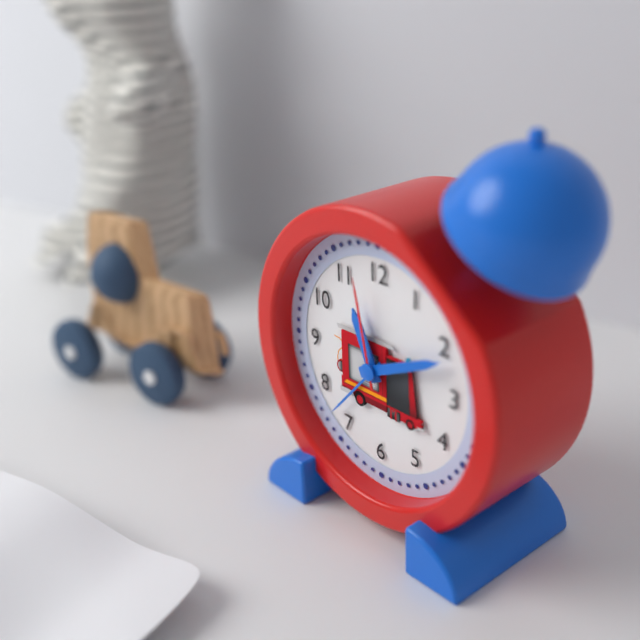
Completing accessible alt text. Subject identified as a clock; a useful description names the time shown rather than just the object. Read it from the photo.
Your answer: 11:11:58
